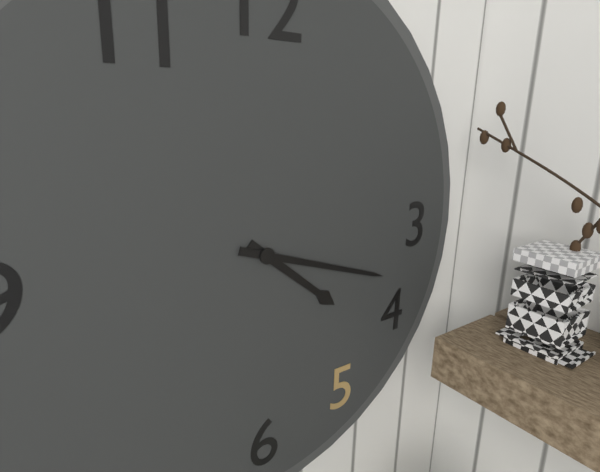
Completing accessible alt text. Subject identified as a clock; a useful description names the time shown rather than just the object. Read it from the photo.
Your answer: 4:18
